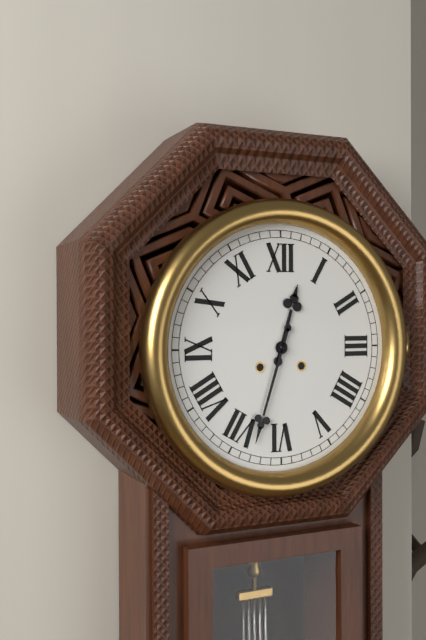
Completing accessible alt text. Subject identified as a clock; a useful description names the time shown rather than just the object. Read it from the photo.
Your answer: 12:33
